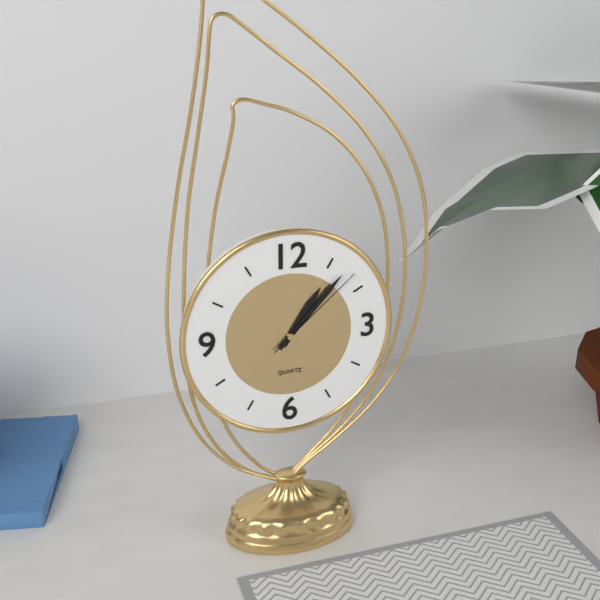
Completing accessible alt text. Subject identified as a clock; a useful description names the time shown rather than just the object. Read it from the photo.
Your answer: 1:07:08
